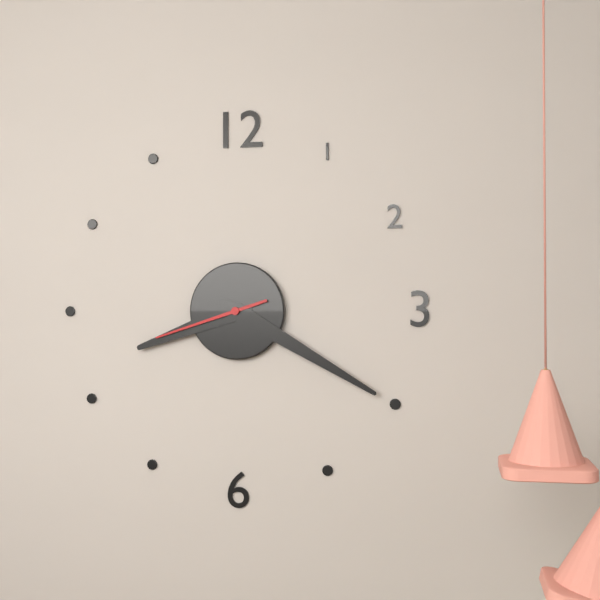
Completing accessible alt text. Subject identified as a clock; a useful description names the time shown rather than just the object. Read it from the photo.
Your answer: 8:20:42
